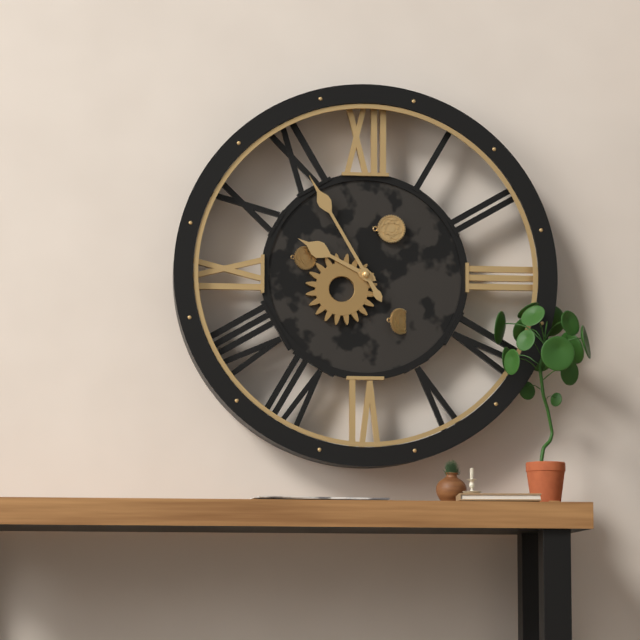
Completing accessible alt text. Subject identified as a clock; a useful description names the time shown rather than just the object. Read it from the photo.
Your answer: 9:55
